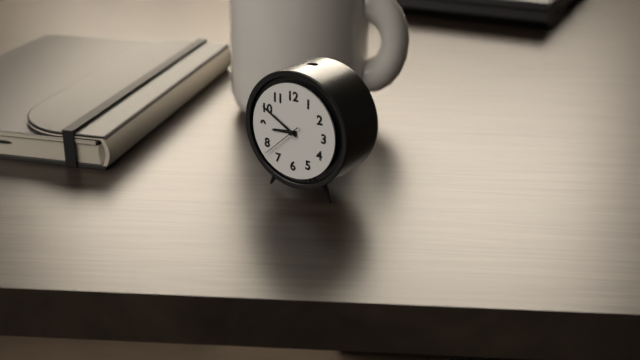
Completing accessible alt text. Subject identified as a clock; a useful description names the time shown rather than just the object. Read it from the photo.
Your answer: 8:50
